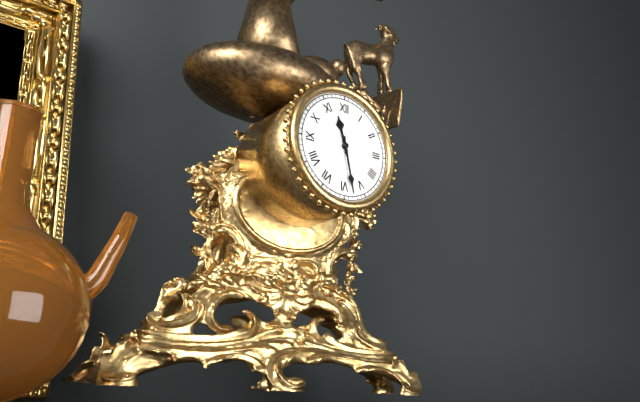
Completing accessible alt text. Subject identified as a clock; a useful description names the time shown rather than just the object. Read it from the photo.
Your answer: 11:28
